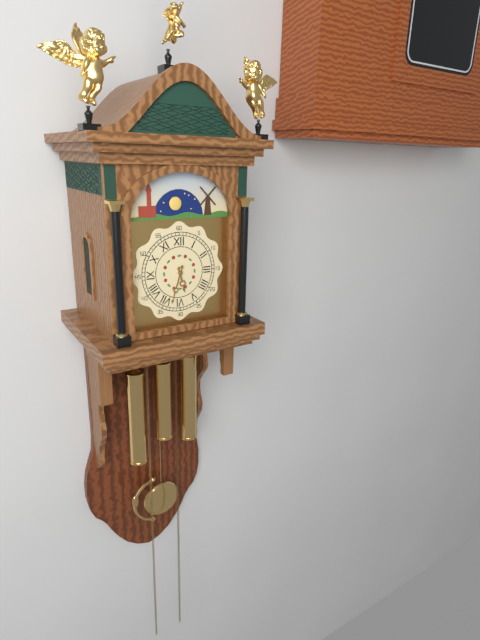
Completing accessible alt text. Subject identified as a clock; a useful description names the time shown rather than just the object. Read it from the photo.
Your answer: 5:33
